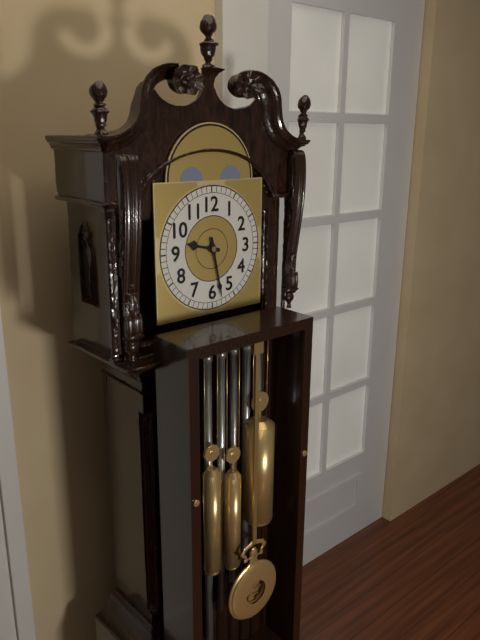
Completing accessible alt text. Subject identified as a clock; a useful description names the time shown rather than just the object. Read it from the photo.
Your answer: 9:28
